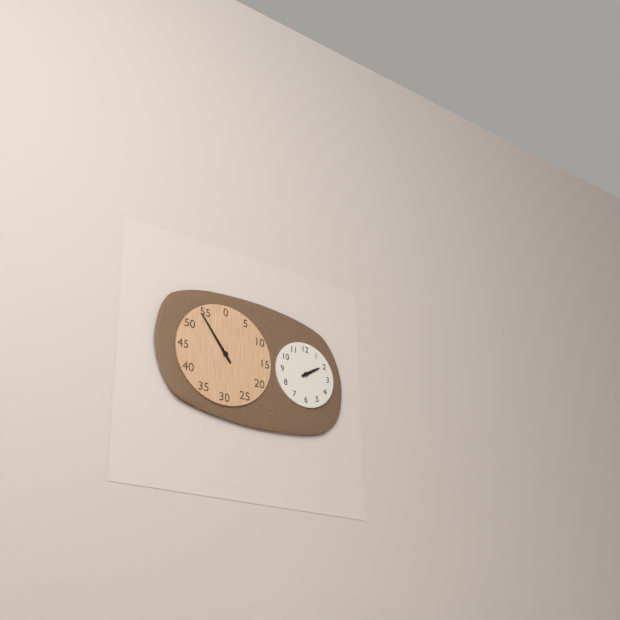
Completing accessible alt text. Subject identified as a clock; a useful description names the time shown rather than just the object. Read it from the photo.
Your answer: 1:54
